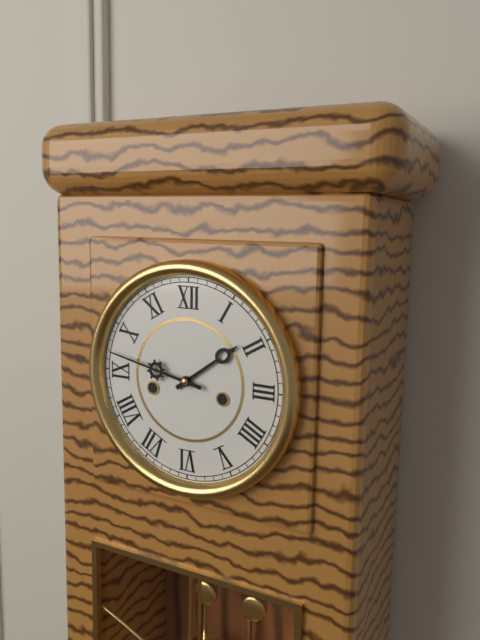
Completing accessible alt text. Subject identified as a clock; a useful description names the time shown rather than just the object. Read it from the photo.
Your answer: 1:47
